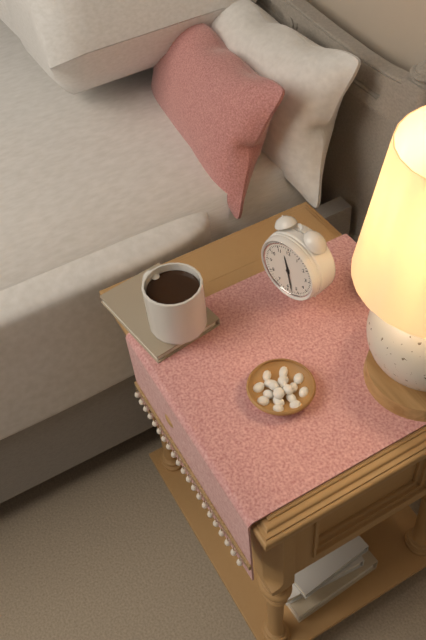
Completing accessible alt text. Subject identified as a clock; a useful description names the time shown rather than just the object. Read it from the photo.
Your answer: 11:28
